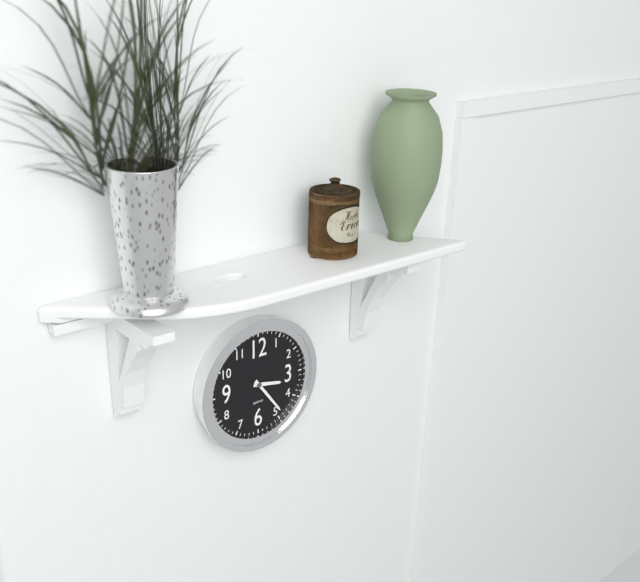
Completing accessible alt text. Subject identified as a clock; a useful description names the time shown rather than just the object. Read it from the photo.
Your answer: 3:24
